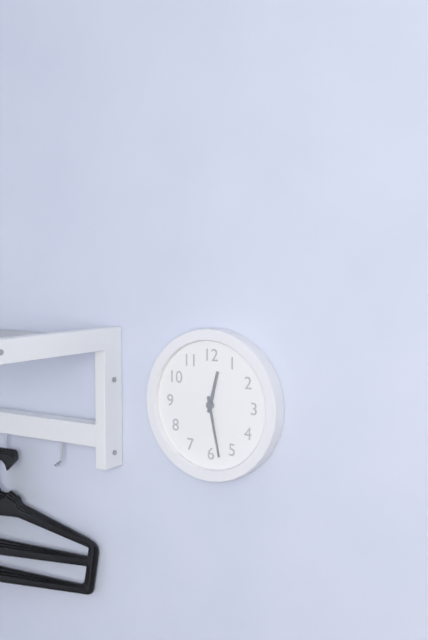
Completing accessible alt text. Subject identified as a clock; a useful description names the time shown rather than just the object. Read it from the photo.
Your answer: 12:28
